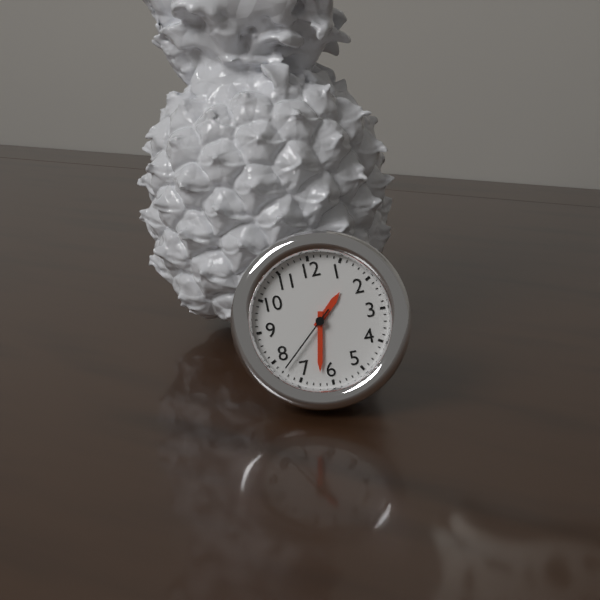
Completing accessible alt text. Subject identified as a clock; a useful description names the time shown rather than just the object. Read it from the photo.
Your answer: 1:32:38
